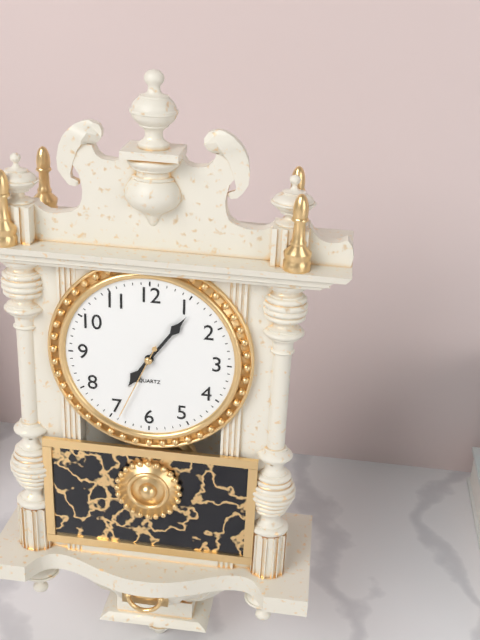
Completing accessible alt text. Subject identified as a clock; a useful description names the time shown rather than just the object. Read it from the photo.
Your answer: 7:06:34
